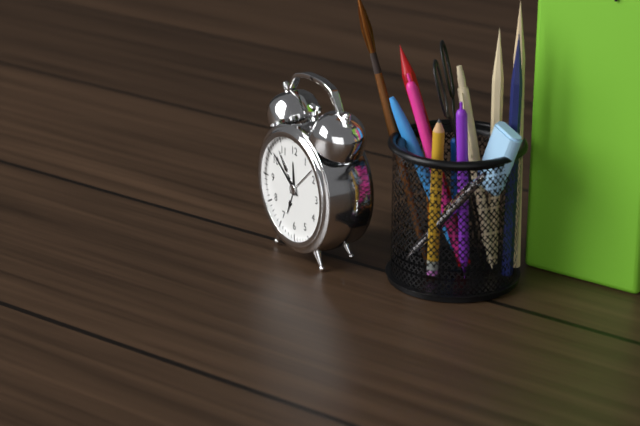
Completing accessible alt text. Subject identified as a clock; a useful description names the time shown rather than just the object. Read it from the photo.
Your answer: 11:51
